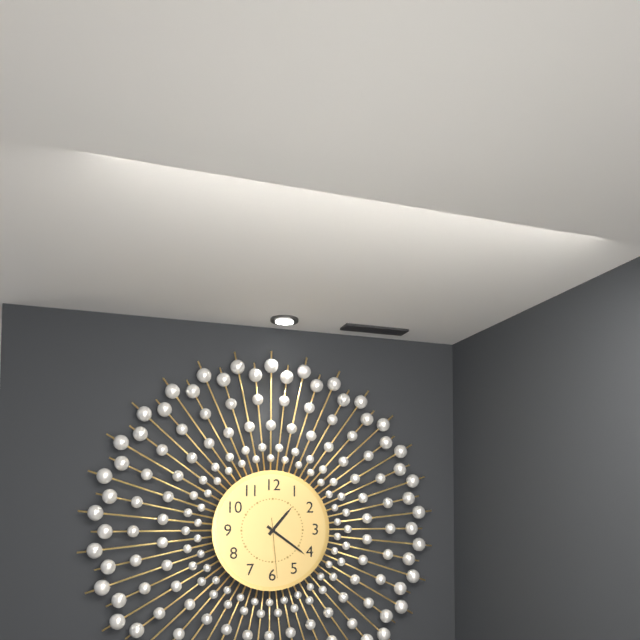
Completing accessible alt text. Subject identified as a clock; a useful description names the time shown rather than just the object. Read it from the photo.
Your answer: 1:21:29
